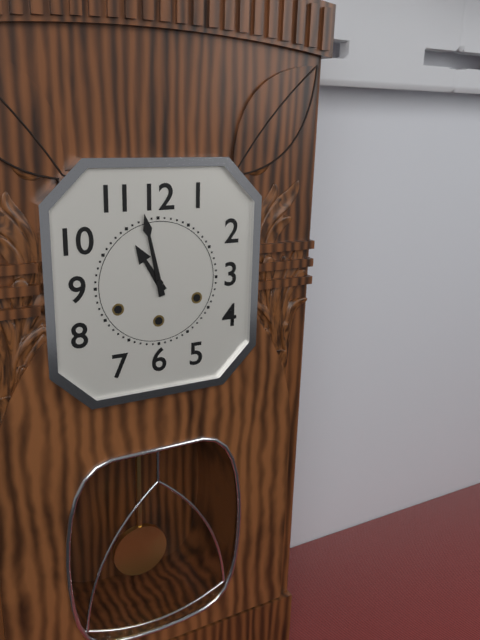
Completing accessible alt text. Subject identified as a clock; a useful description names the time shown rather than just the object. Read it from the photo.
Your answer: 10:58
